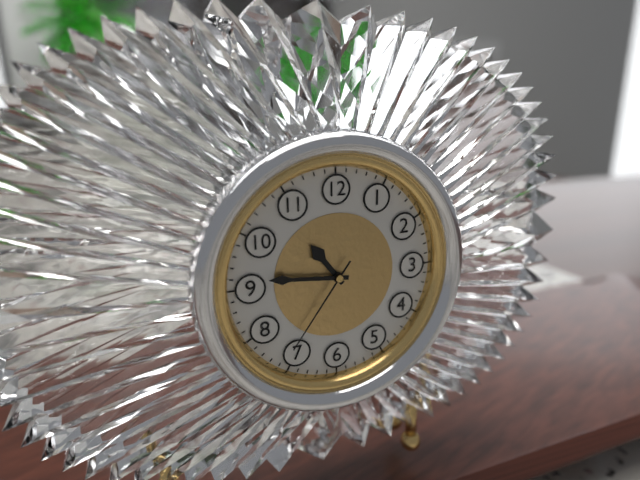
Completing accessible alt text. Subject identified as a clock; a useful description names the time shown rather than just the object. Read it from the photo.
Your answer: 10:46:36
